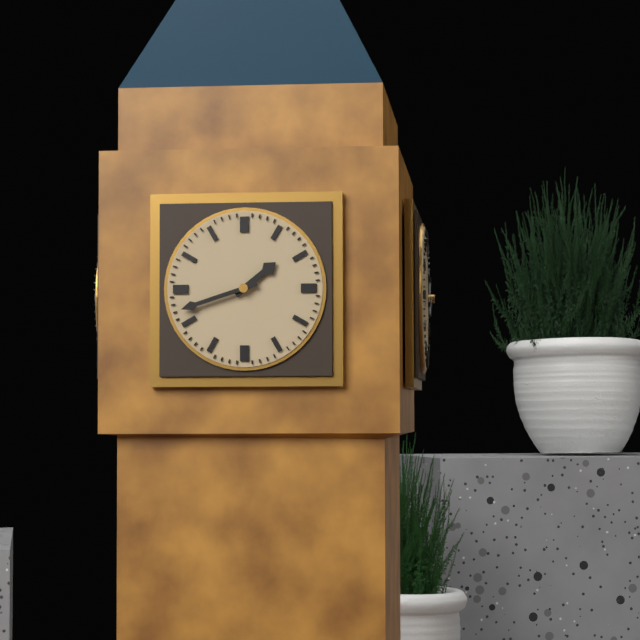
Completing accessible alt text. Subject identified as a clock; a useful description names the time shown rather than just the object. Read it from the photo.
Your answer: 1:42
